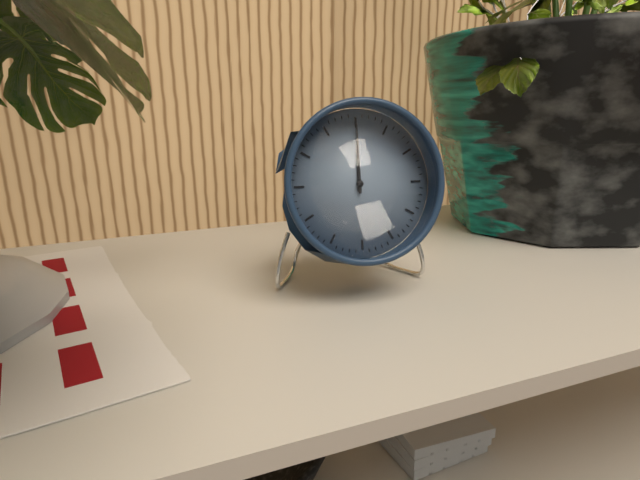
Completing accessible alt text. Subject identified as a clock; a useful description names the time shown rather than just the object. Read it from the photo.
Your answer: 12:00
